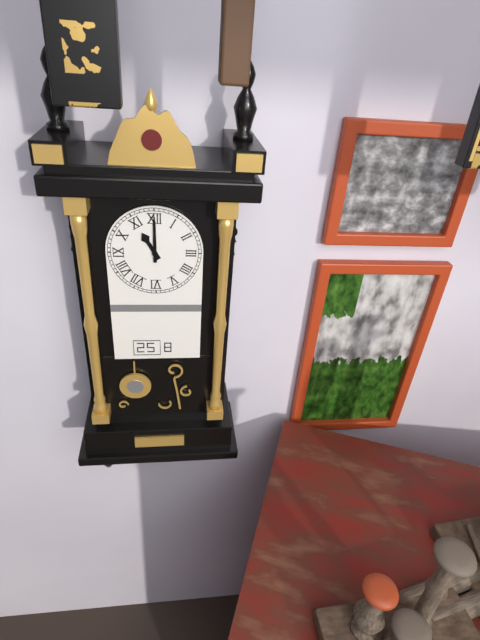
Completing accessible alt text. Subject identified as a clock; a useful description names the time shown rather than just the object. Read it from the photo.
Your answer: 11:00
